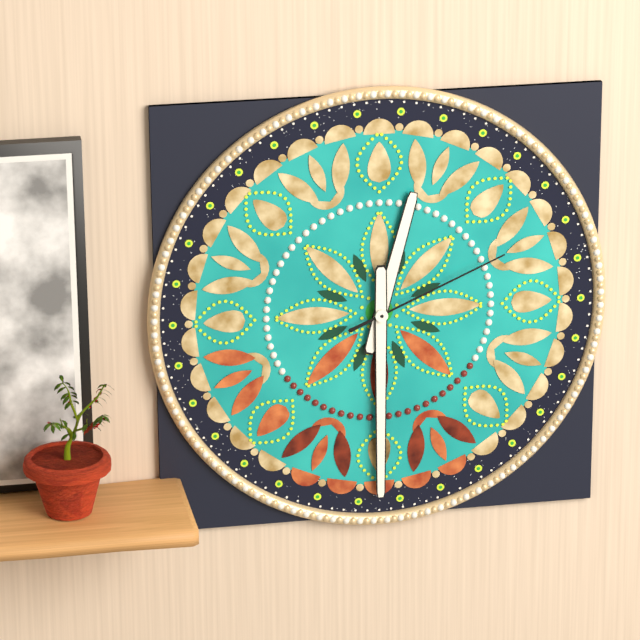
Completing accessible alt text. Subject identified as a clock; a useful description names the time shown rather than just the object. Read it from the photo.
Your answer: 12:30:11
